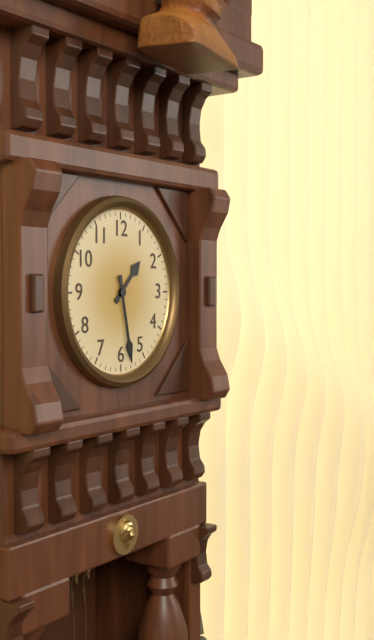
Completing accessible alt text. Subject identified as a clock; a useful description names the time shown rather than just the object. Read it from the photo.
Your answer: 1:28
